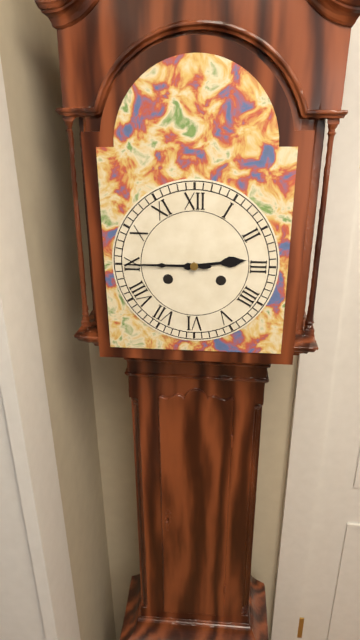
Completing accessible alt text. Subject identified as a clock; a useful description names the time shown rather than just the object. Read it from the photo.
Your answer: 2:45
